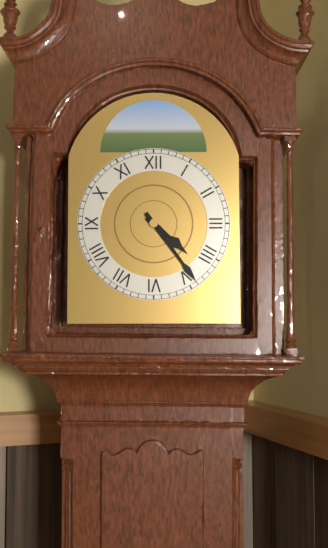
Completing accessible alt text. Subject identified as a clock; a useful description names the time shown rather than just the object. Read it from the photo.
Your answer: 4:24
